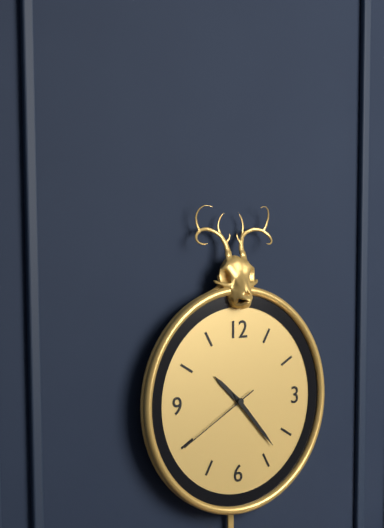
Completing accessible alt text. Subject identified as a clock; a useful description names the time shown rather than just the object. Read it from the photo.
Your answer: 10:23:40
